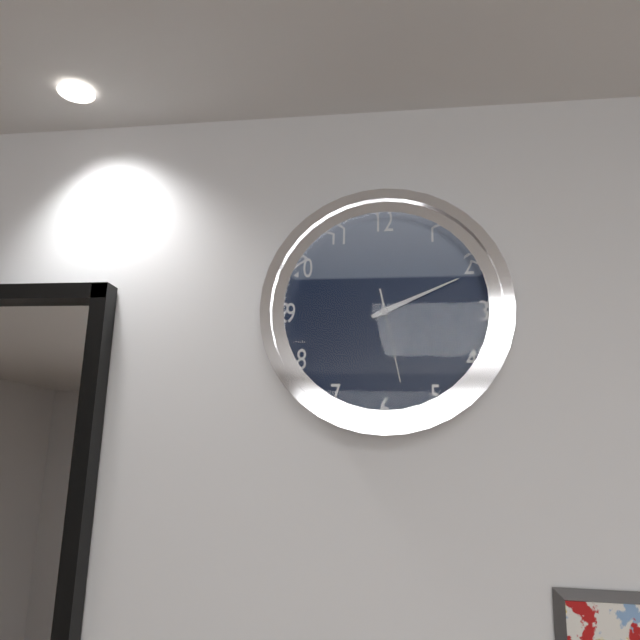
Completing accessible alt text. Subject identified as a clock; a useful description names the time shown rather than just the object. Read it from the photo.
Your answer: 2:11:28
